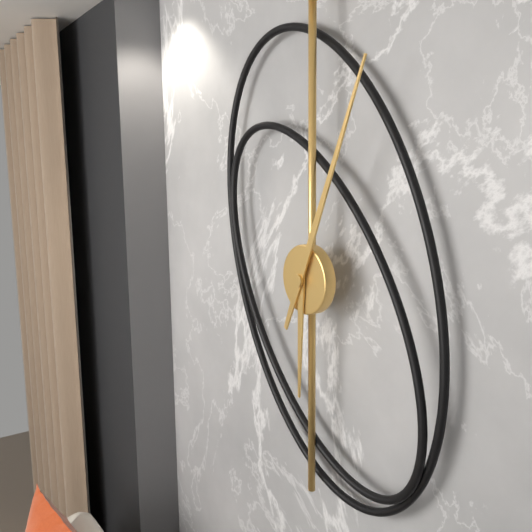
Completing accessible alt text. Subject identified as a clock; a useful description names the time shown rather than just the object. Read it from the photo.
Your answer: 6:04
